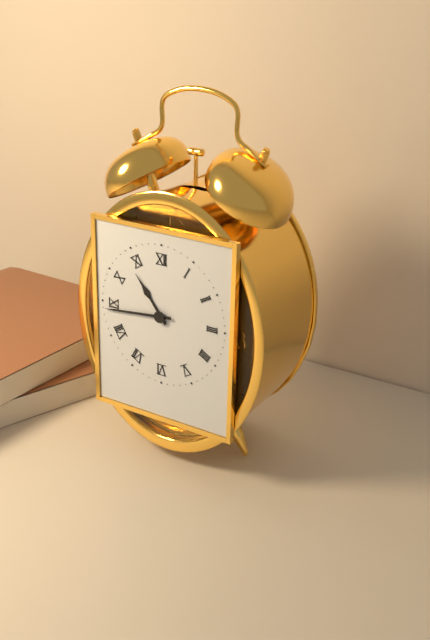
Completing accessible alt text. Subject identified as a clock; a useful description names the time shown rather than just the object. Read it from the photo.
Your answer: 10:44
